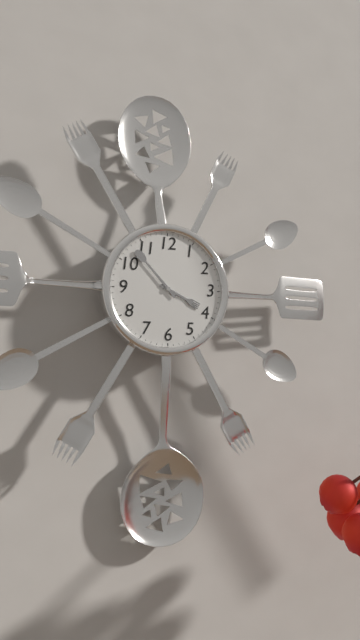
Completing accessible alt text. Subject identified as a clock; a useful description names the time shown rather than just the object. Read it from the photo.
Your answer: 3:53
